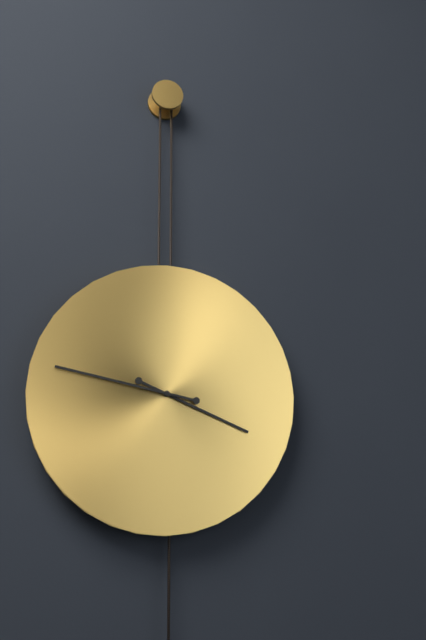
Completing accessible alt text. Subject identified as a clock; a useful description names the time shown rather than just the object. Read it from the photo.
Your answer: 3:47
